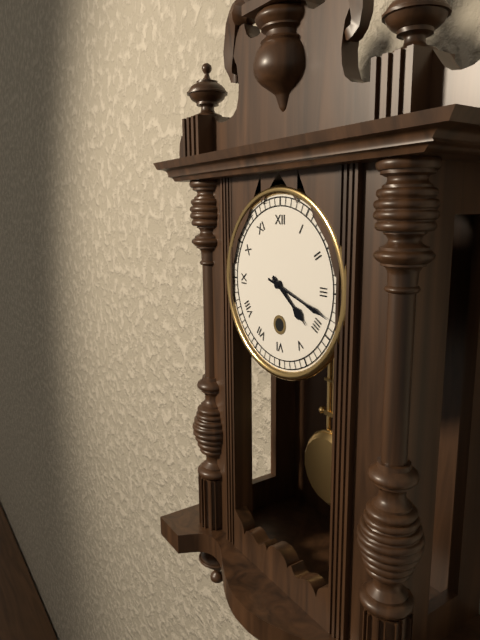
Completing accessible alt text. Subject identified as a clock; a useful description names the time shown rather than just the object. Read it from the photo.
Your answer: 4:18
